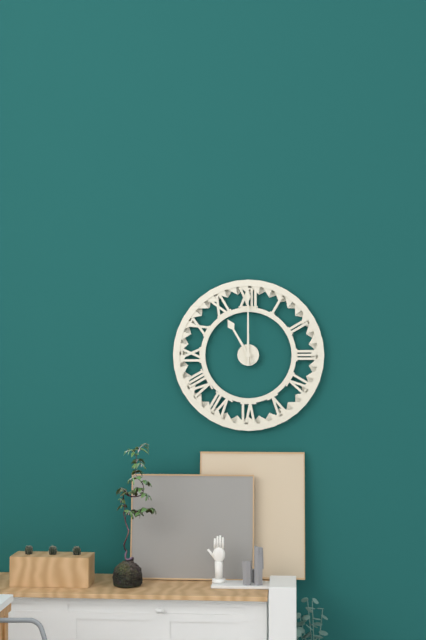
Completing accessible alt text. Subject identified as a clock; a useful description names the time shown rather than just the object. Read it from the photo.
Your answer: 11:00
